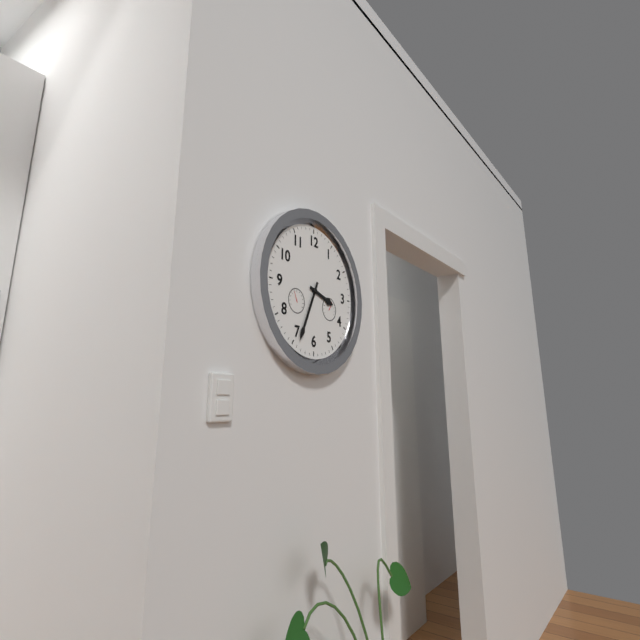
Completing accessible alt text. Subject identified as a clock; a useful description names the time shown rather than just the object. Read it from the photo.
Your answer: 3:34
